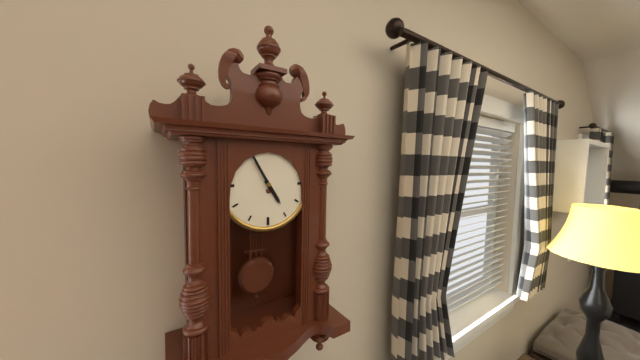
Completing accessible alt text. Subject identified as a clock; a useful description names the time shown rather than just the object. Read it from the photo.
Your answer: 4:55
